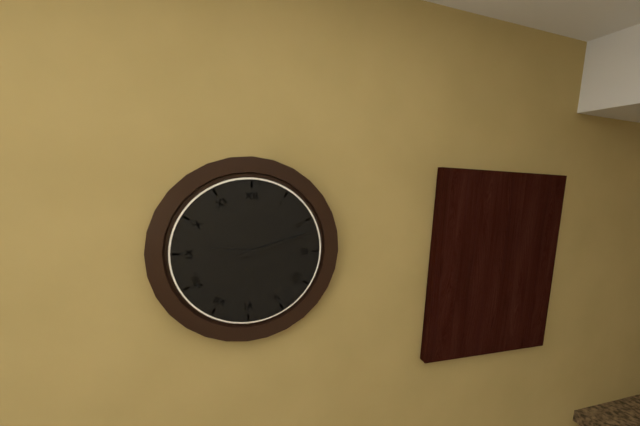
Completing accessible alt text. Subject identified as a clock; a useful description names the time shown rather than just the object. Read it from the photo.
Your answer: 9:12
